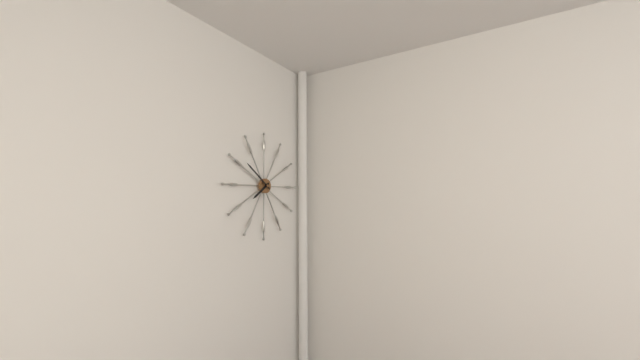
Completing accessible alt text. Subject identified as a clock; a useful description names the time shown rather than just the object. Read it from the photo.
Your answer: 7:51
